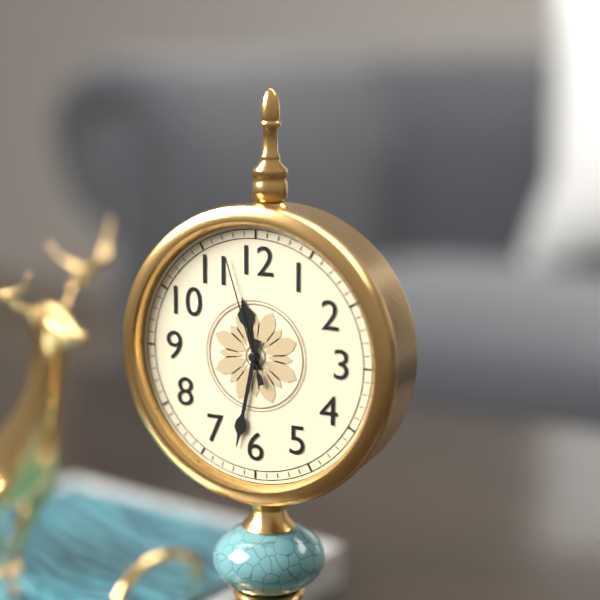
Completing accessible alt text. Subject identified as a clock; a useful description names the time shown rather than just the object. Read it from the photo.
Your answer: 11:32:57
